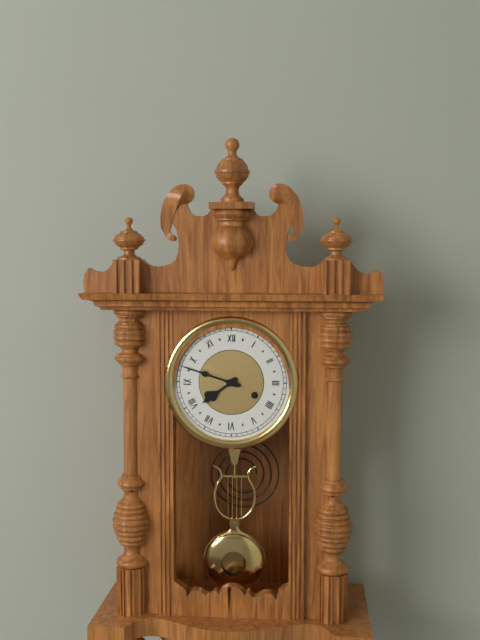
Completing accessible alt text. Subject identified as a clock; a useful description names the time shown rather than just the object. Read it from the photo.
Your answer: 7:48
